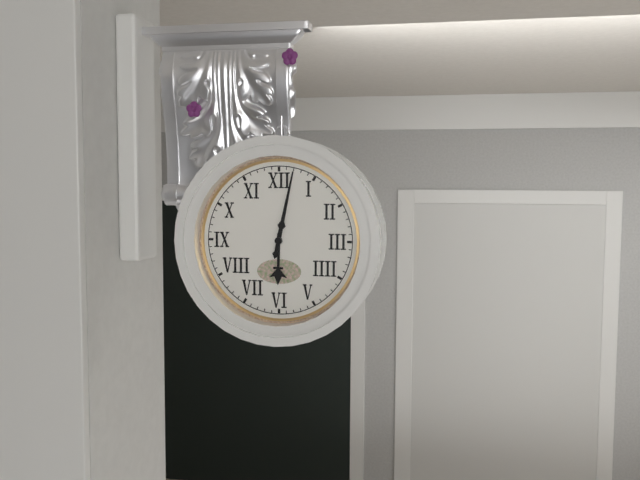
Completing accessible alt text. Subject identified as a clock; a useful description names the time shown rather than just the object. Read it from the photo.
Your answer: 6:02
